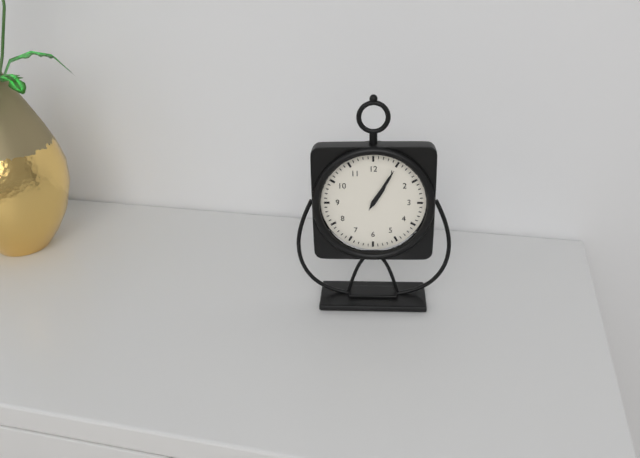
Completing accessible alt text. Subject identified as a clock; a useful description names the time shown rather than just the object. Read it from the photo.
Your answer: 1:05
